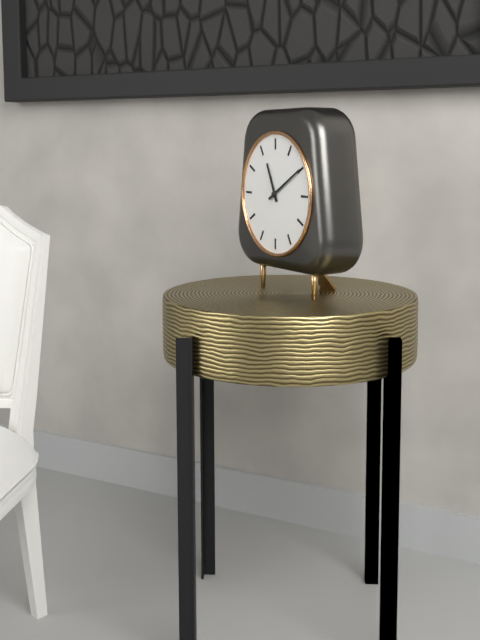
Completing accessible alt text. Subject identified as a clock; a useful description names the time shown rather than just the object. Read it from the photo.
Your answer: 11:10
